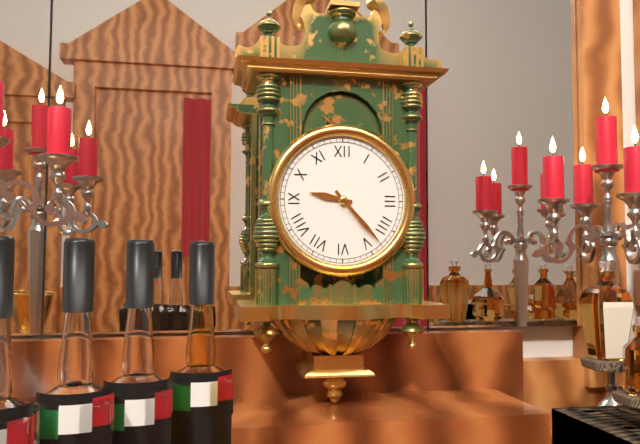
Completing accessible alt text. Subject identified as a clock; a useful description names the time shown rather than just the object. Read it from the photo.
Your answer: 9:23
